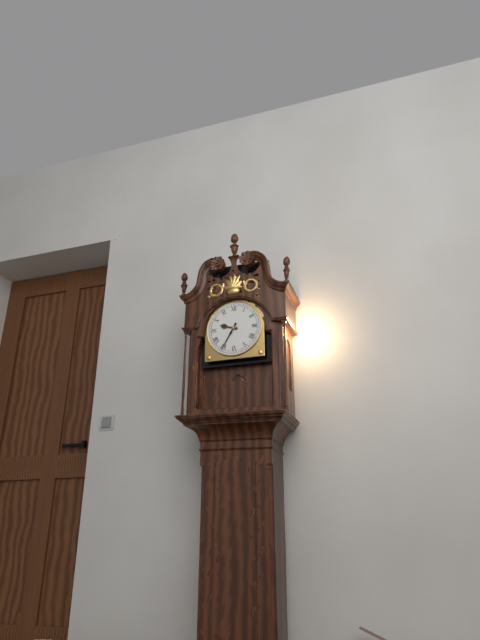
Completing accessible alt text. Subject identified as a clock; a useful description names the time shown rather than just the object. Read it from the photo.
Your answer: 9:35
